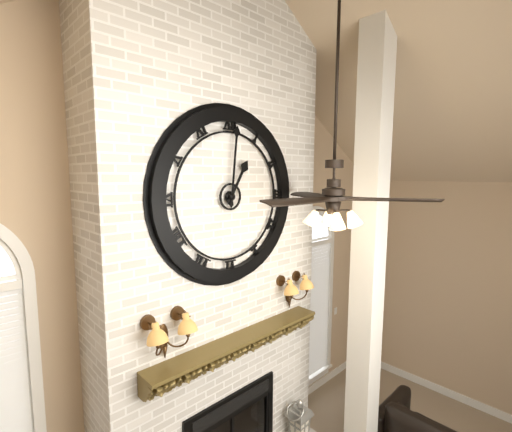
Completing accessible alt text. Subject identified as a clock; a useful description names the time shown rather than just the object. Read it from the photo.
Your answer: 1:01
